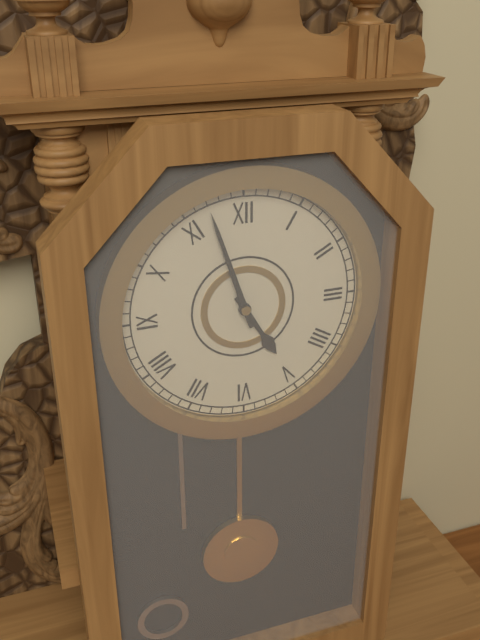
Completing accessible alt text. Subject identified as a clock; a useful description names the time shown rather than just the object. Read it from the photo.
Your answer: 4:57
